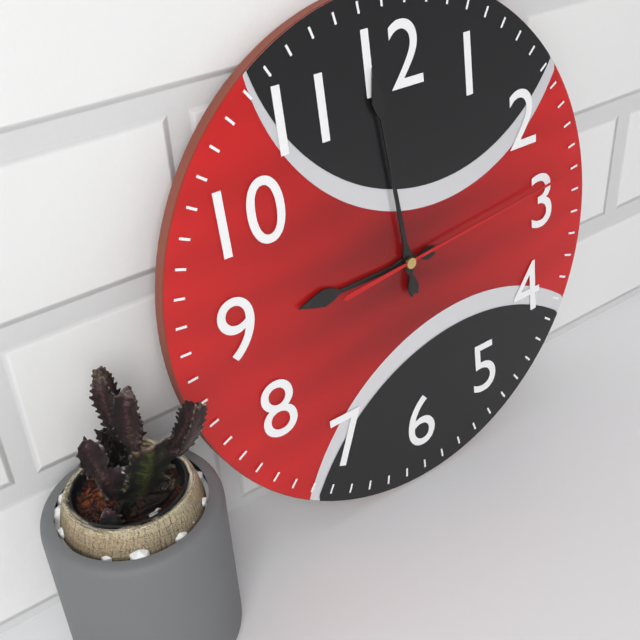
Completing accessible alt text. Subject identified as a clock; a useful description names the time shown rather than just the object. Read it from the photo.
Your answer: 8:59:14
